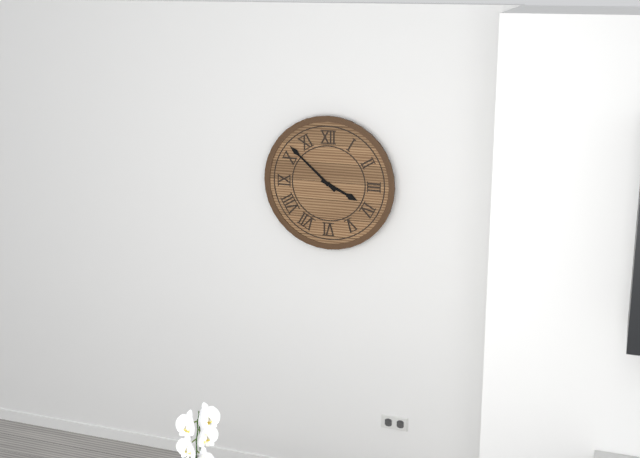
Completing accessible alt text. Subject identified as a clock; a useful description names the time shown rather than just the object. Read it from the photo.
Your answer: 3:52
